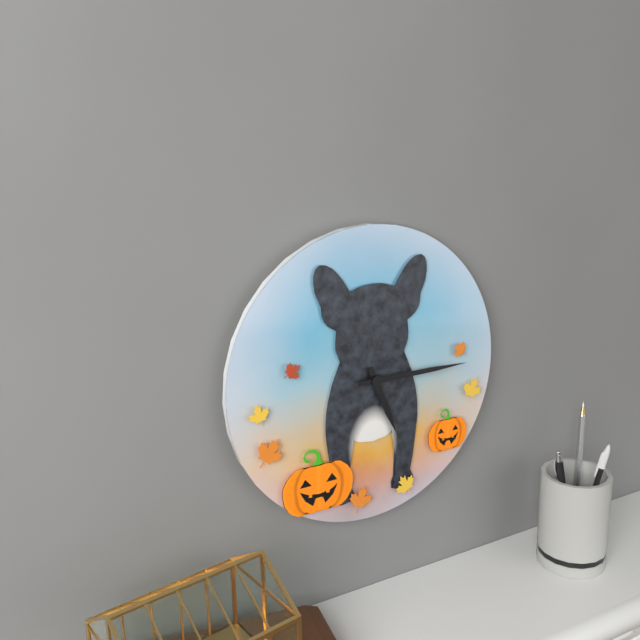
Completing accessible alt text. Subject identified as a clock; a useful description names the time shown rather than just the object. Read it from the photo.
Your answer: 5:15
